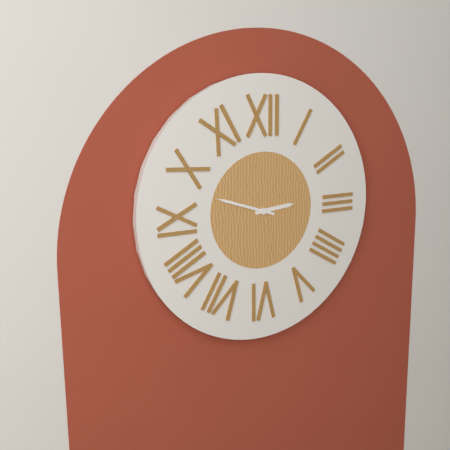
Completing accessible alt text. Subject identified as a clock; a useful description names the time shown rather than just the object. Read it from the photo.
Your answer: 2:48
